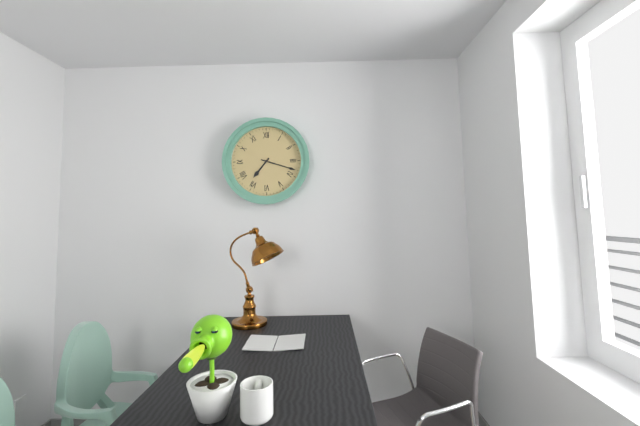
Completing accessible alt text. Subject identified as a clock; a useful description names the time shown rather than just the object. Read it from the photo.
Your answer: 7:18
